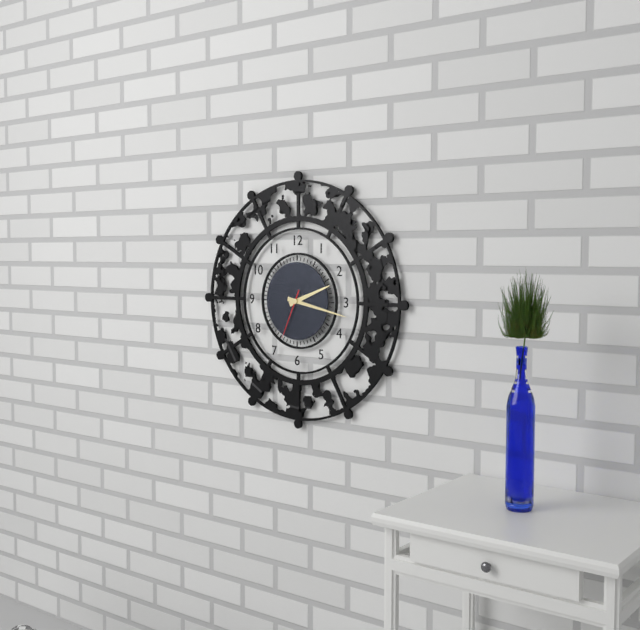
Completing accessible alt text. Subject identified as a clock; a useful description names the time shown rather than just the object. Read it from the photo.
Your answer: 2:17
